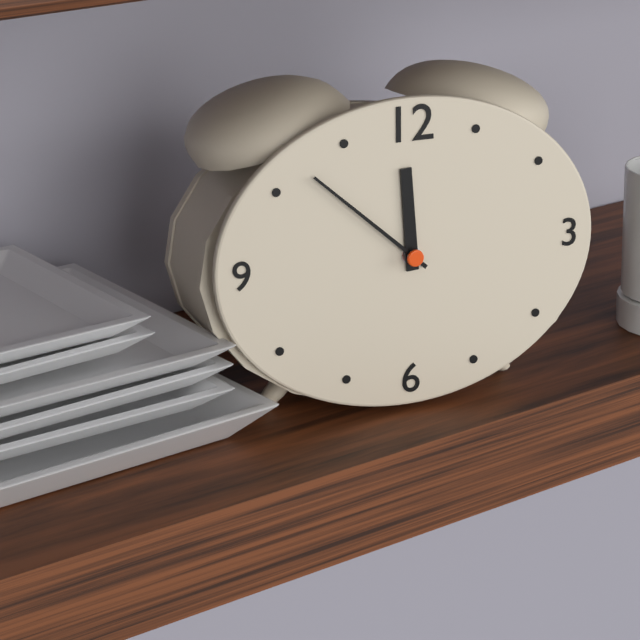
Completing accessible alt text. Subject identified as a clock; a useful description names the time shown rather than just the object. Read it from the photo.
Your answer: 11:52
